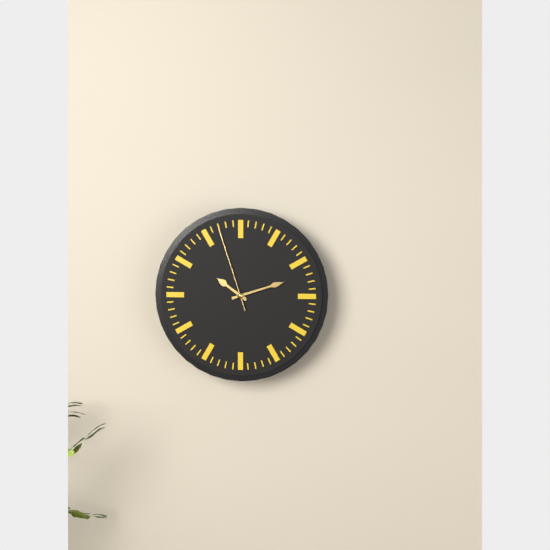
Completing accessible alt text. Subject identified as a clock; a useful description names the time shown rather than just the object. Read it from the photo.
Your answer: 10:12:57
